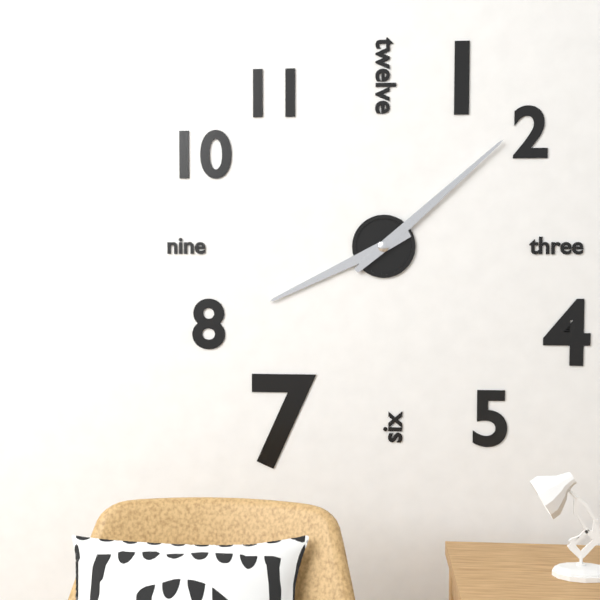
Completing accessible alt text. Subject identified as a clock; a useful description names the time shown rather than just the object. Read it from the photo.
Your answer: 8:08
